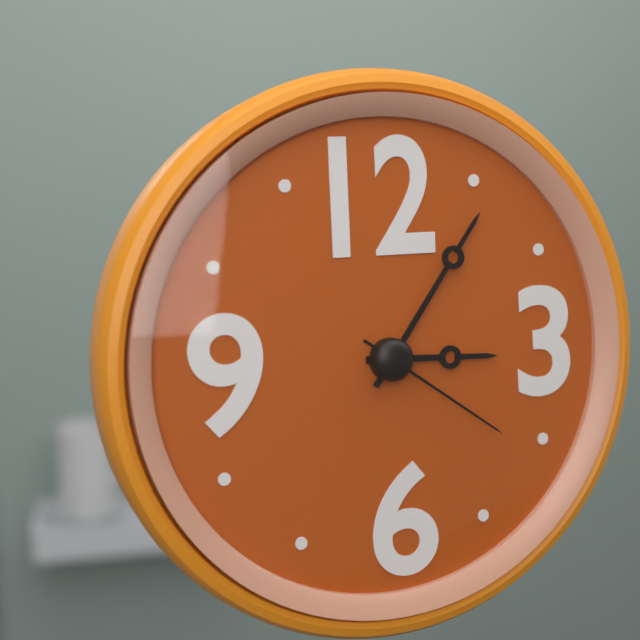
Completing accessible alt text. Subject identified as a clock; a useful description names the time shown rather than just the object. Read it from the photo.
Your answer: 3:06:21
